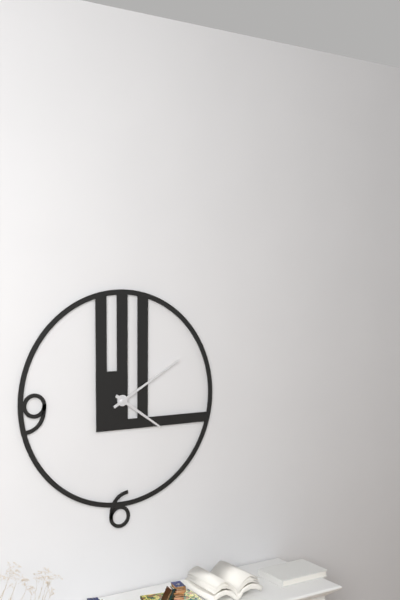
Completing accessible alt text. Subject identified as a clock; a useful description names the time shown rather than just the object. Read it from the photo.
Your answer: 4:10
